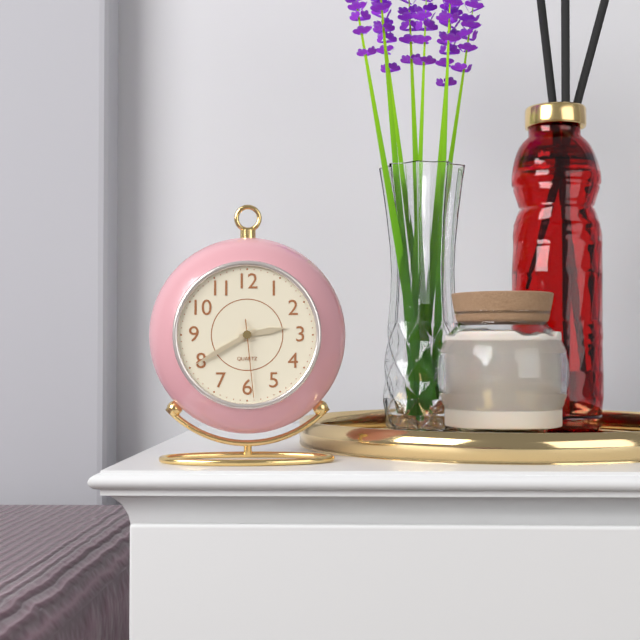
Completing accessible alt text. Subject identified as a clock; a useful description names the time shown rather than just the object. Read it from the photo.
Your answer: 2:40:29
